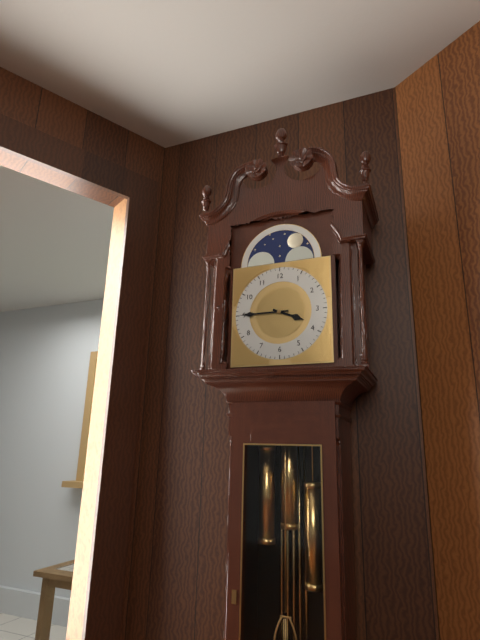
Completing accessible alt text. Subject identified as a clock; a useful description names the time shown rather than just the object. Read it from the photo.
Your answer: 3:45
